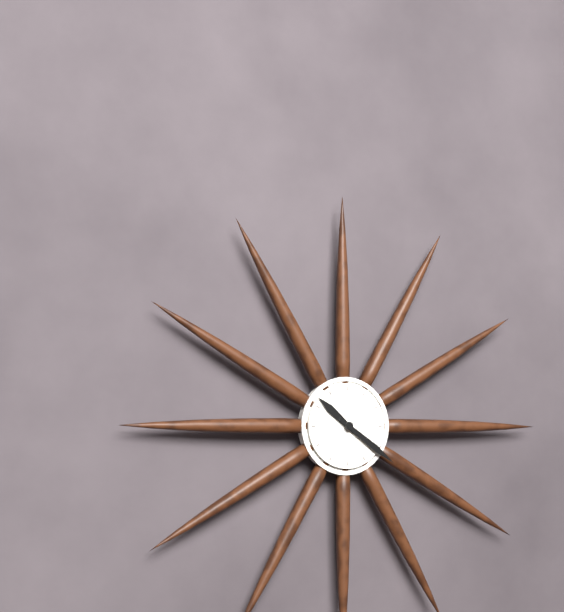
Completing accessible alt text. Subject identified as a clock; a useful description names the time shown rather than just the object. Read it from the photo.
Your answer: 10:21
